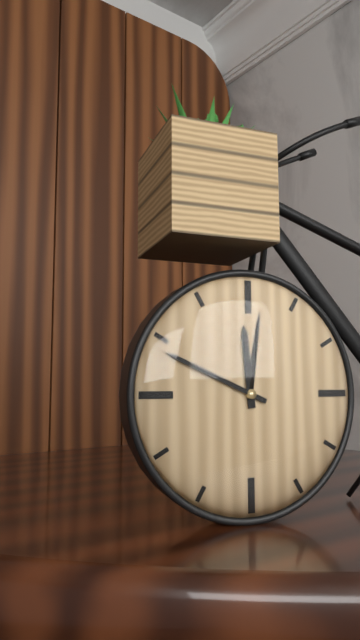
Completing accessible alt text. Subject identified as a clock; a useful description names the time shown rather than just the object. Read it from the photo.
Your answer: 11:49
